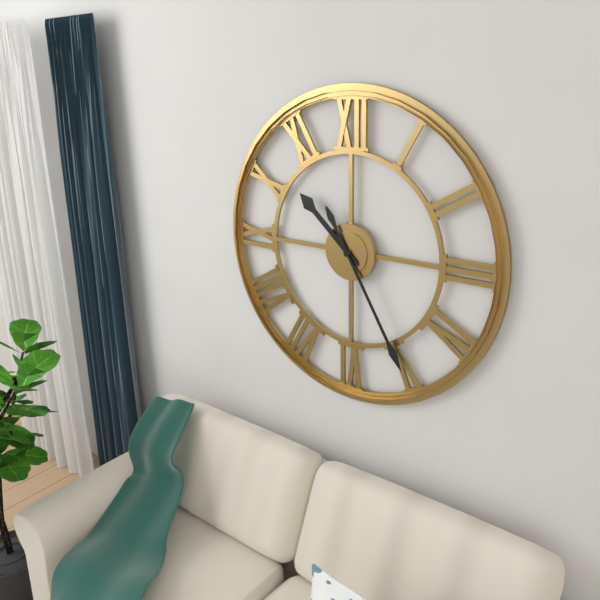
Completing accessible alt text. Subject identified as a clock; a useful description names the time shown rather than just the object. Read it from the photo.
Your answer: 10:25
